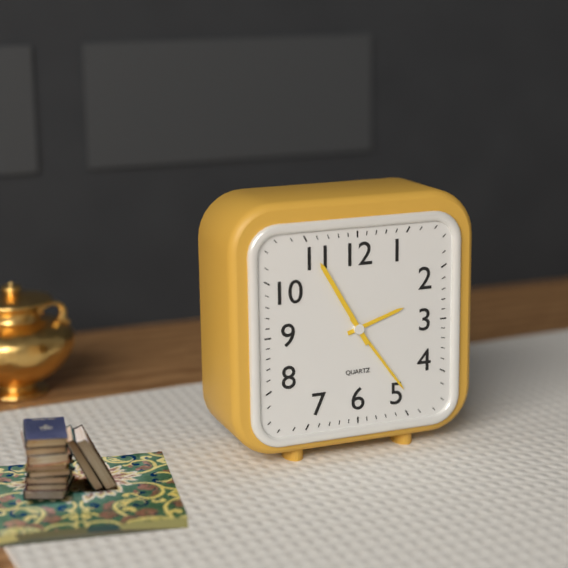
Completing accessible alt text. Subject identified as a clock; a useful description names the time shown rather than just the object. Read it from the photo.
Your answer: 2:24:55
